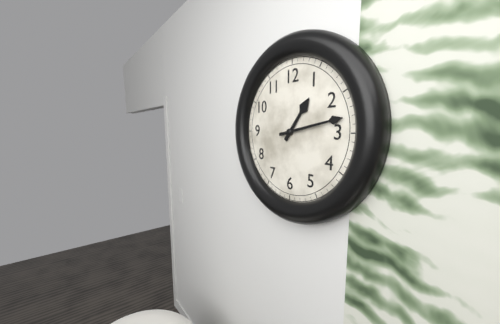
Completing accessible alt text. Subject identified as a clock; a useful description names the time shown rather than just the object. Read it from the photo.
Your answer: 1:13
